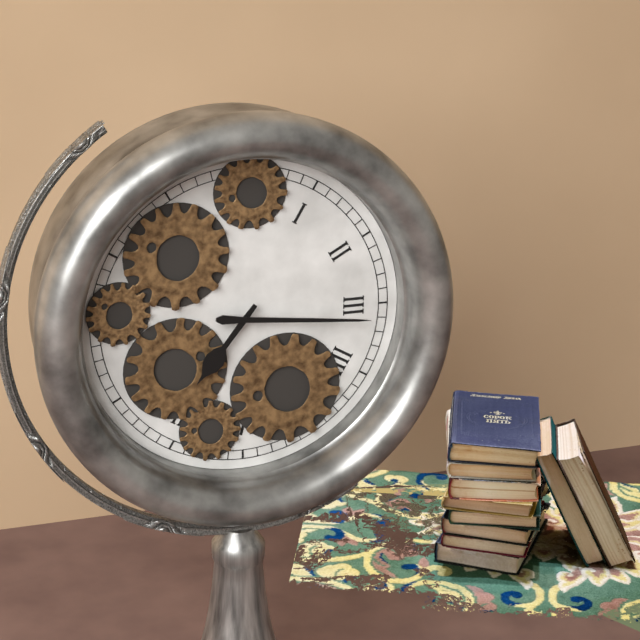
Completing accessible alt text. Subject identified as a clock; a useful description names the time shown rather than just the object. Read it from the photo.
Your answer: 7:16
